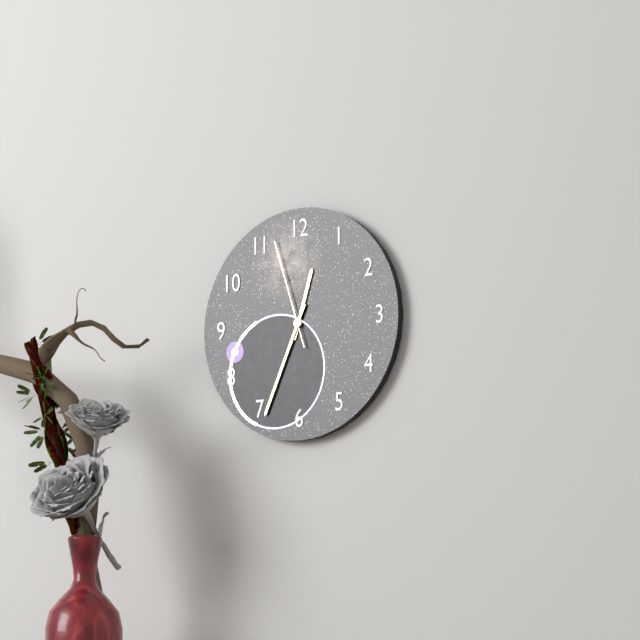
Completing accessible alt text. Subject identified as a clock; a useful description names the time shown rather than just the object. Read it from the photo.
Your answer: 12:34:57
